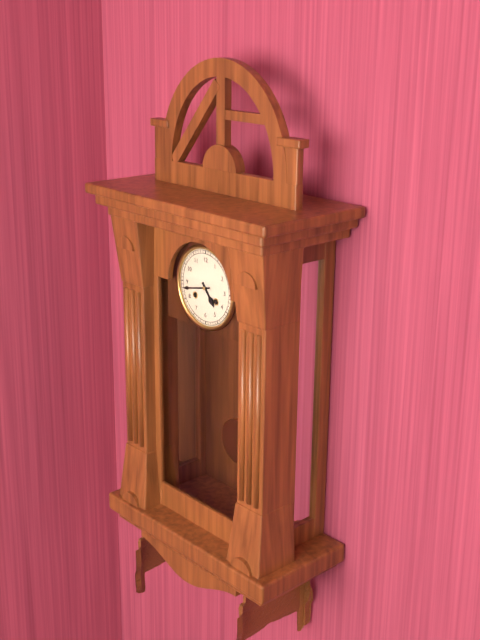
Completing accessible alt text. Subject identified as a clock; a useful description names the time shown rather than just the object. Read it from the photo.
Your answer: 4:43
